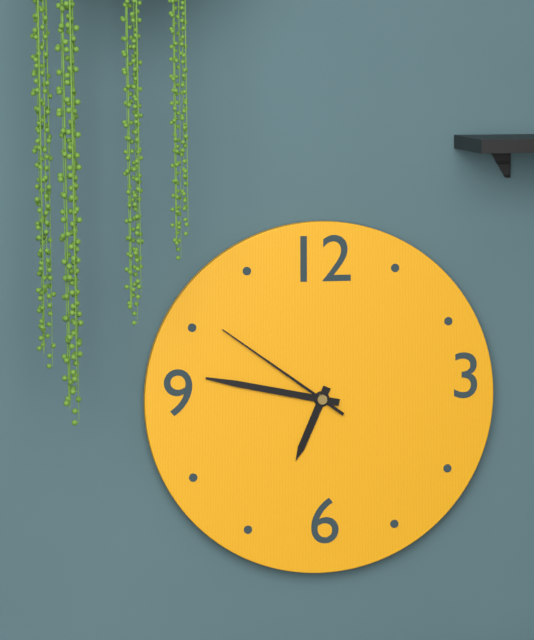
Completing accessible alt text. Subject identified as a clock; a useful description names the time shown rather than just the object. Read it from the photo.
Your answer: 6:47:51
